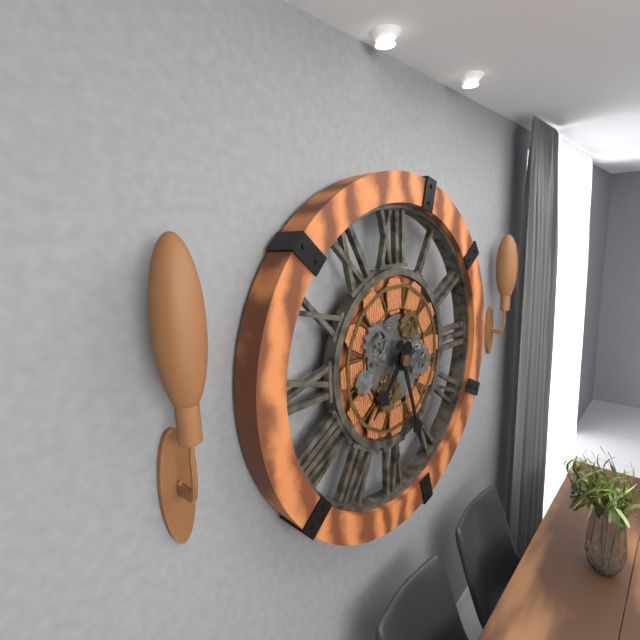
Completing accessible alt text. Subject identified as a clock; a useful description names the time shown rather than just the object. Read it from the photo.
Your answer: 7:27
